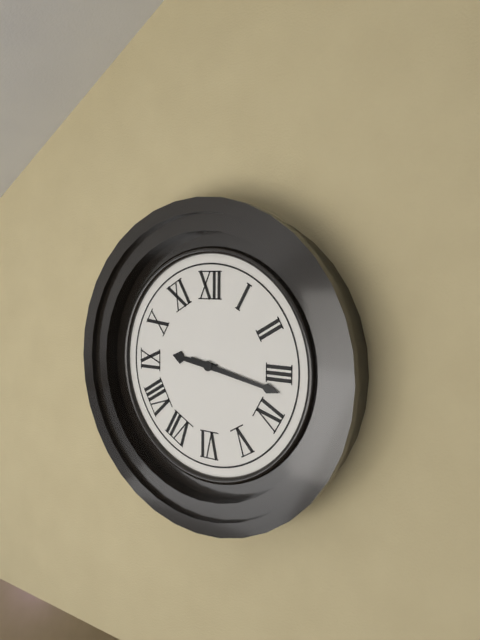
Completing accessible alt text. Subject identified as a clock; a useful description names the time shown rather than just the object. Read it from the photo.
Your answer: 9:17
